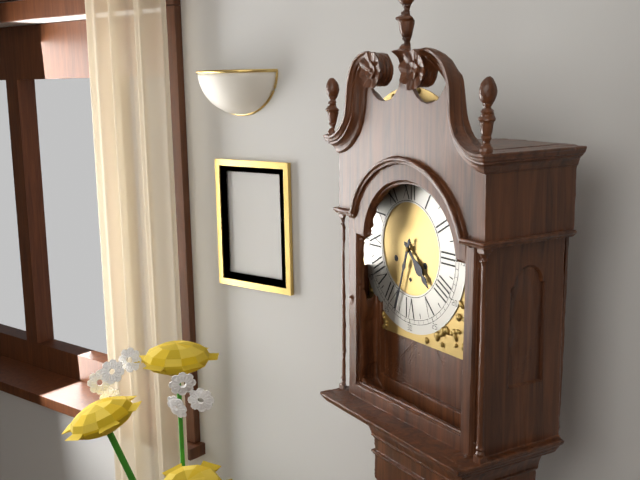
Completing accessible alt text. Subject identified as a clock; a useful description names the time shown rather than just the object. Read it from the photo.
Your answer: 4:33
